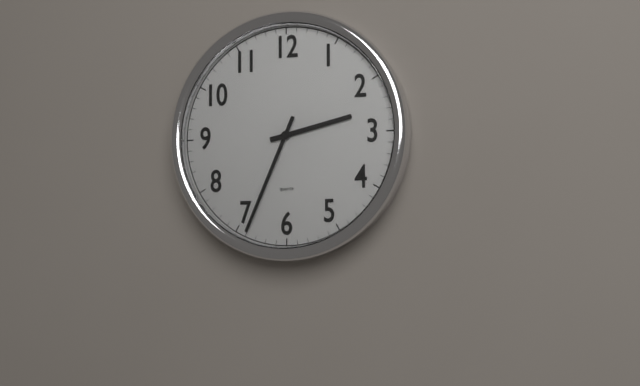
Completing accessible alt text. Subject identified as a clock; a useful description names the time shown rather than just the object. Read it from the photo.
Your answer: 2:34
